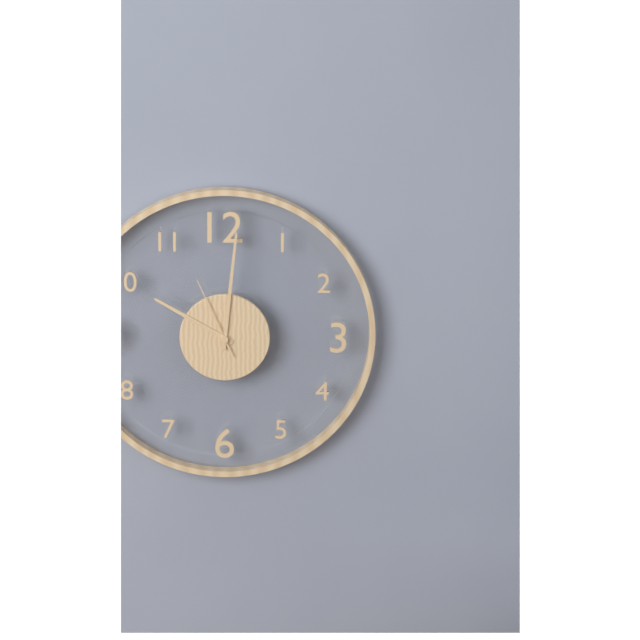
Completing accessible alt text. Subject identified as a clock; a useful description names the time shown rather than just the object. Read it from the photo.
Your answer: 10:01:56
